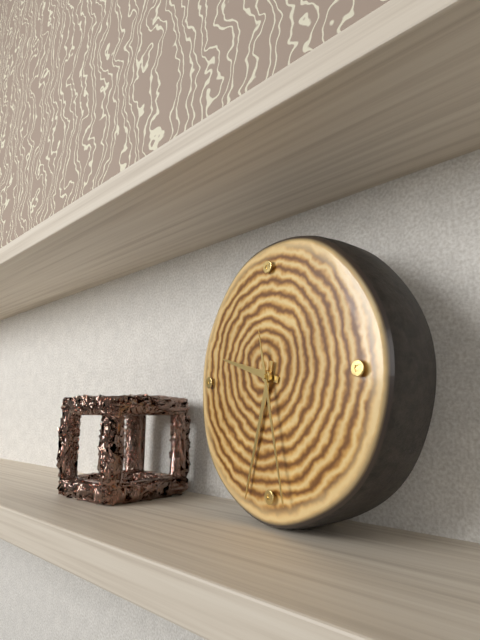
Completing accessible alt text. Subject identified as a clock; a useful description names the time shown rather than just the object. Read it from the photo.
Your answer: 9:33:28
